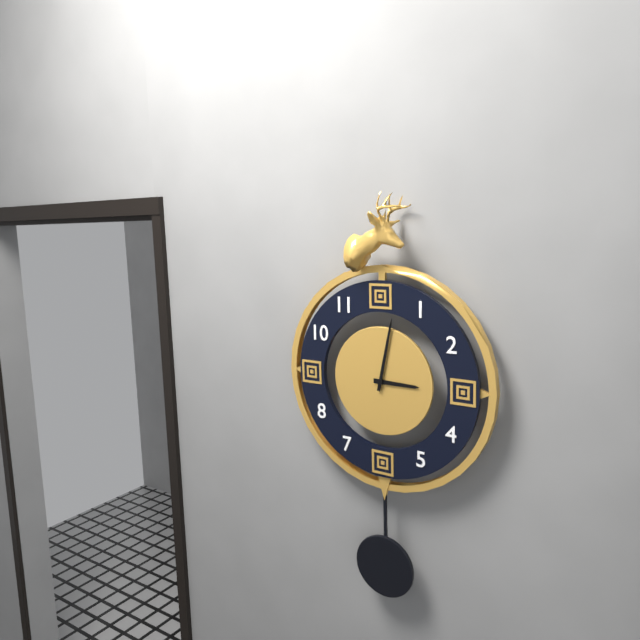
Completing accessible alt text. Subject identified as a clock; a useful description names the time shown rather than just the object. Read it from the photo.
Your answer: 3:02
